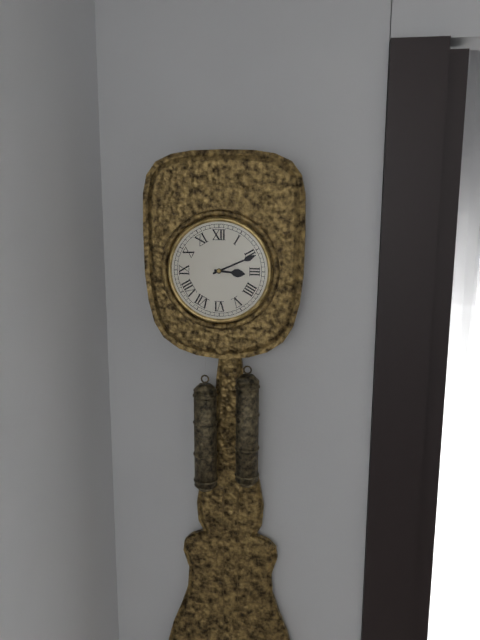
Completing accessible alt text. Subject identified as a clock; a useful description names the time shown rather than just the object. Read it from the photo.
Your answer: 3:11
